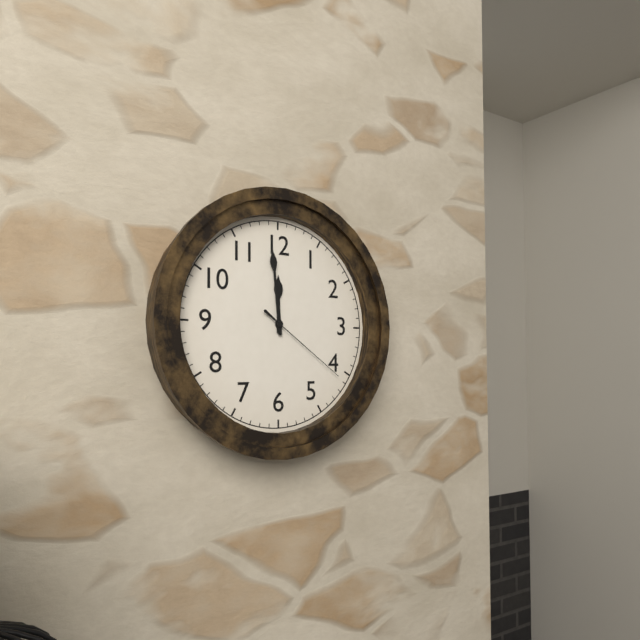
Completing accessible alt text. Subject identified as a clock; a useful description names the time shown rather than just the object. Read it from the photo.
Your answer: 11:59:21
